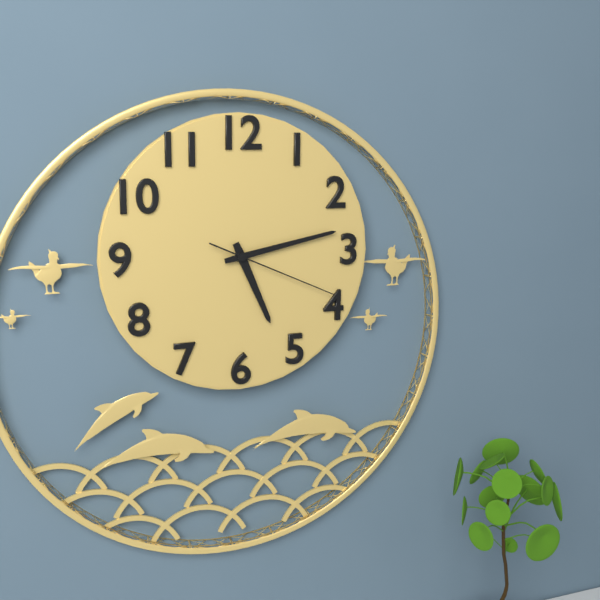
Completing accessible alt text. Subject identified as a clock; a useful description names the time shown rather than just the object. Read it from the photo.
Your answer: 5:13:19
